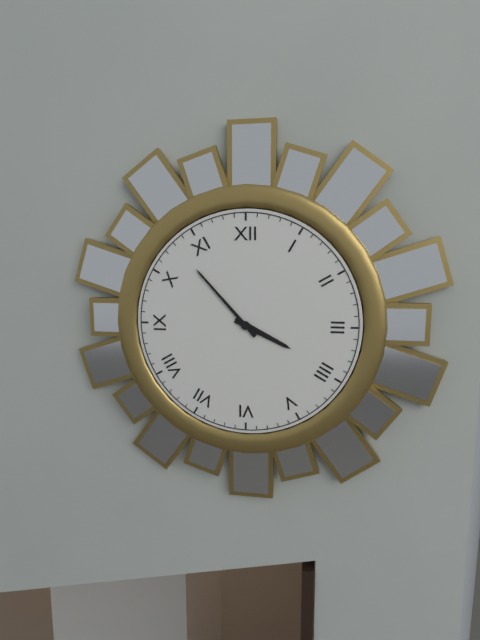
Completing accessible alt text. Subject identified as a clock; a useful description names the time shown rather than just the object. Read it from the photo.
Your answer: 3:53
